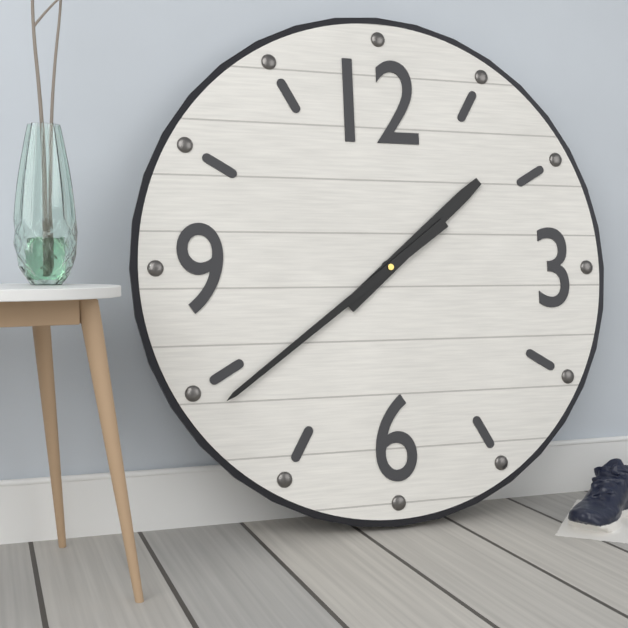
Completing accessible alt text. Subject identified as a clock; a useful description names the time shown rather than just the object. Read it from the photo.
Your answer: 1:39
